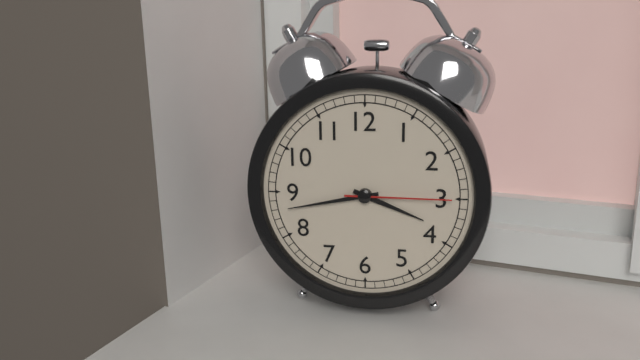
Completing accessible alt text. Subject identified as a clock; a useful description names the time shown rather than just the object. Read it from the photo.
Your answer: 3:43:15
